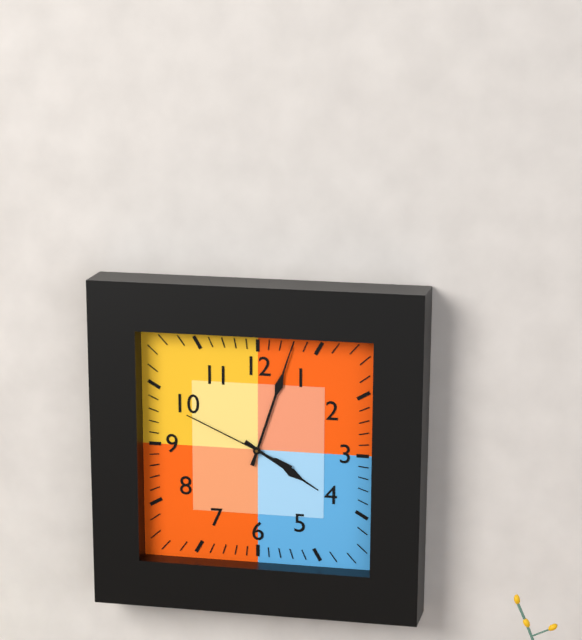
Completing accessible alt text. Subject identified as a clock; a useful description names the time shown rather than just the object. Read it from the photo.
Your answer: 4:03:49
